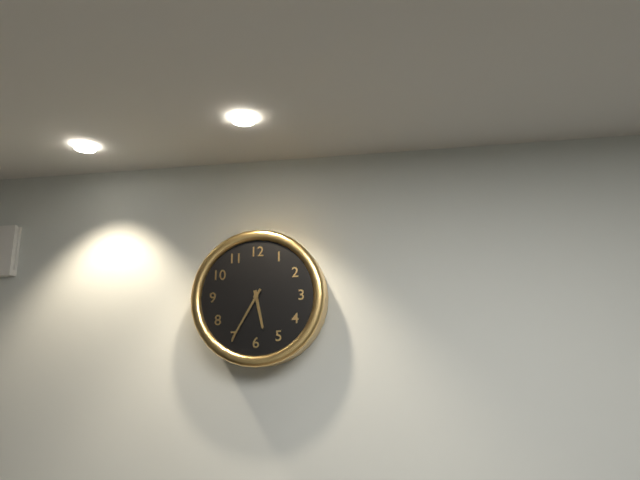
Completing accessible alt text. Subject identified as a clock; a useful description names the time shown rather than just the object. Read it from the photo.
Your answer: 5:35
